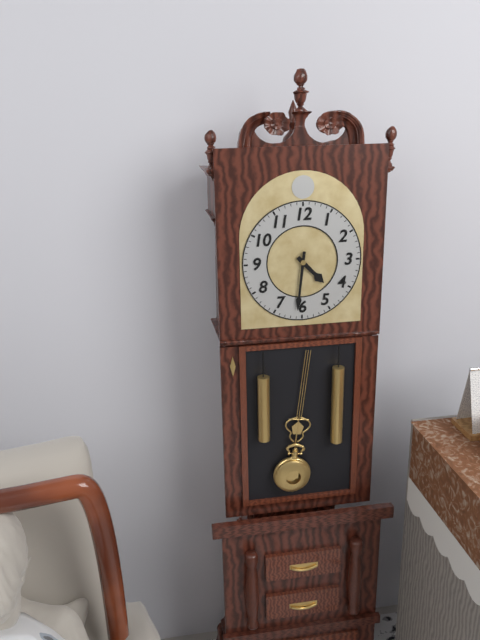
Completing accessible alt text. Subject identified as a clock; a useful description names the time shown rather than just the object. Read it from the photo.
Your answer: 4:31
